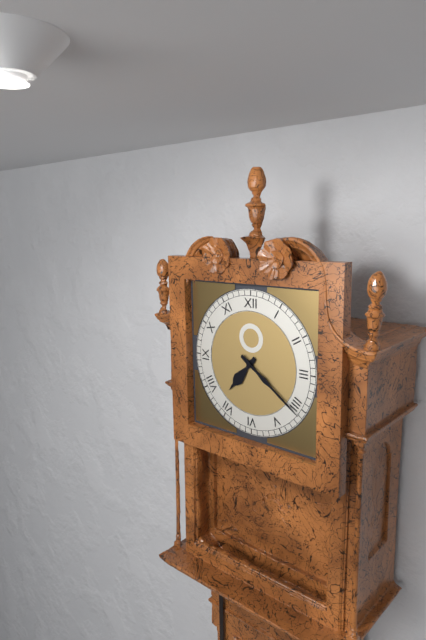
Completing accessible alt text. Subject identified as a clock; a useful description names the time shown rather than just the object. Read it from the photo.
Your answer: 7:21
